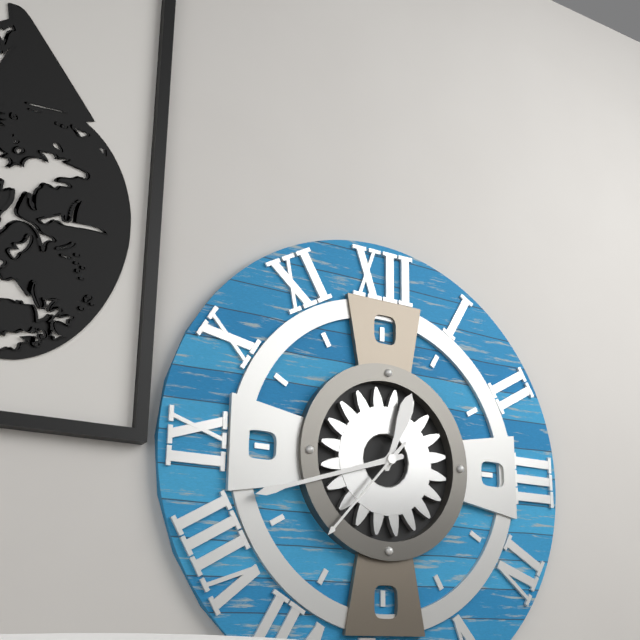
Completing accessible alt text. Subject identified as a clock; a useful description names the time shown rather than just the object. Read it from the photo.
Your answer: 12:42:37
